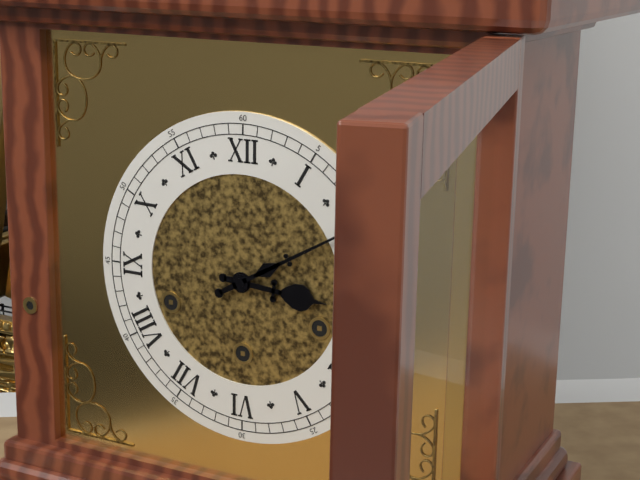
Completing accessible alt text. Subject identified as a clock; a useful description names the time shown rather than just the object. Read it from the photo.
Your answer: 3:10
